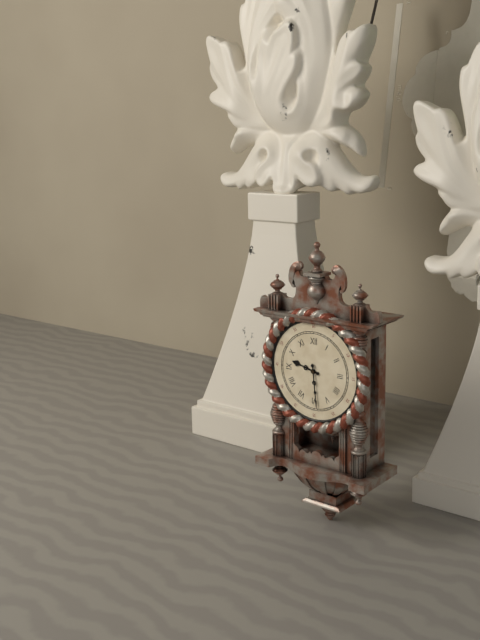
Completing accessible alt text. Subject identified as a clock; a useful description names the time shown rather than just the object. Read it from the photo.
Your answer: 9:29
